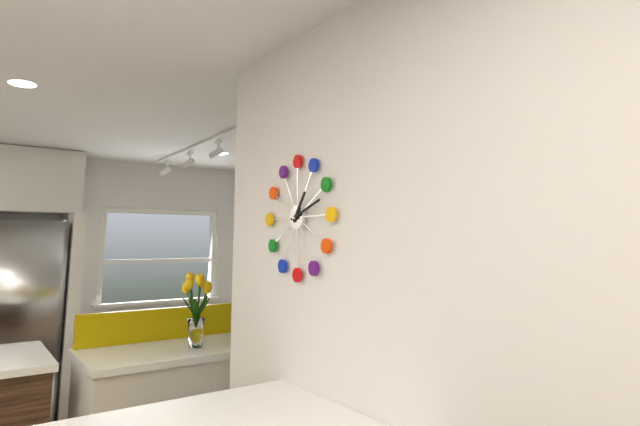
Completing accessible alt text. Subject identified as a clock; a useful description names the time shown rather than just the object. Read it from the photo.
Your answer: 1:12
